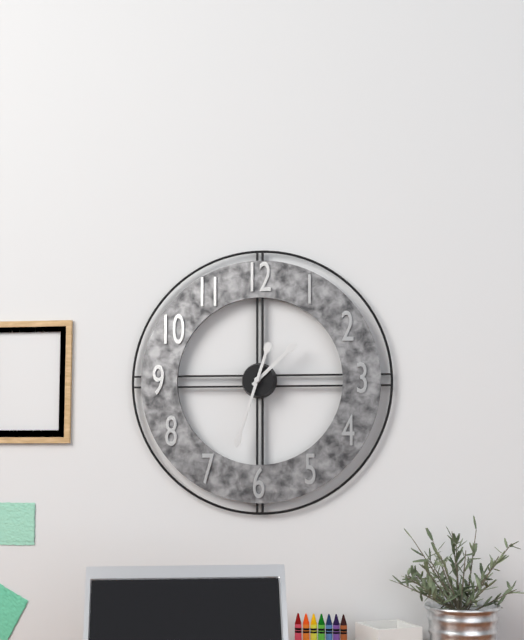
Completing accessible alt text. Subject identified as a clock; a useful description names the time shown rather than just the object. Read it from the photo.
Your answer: 1:33
